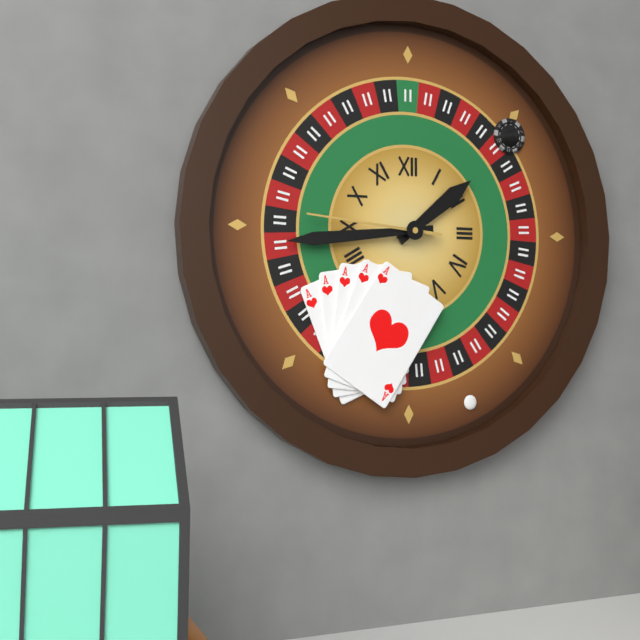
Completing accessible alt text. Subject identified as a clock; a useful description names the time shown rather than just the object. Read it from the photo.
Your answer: 1:44:46
